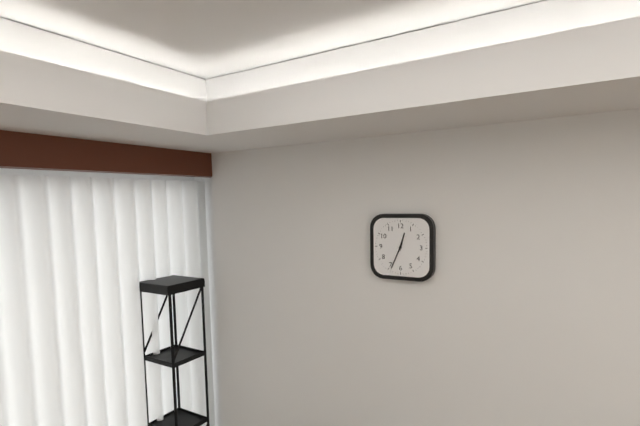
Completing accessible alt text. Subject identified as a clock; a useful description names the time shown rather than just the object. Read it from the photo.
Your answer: 12:34
